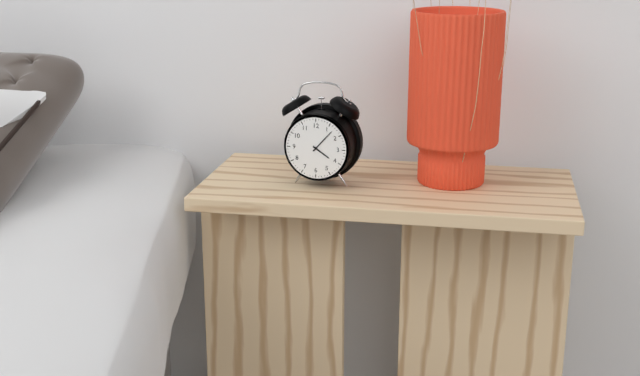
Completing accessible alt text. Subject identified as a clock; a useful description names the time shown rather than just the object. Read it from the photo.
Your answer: 4:07
